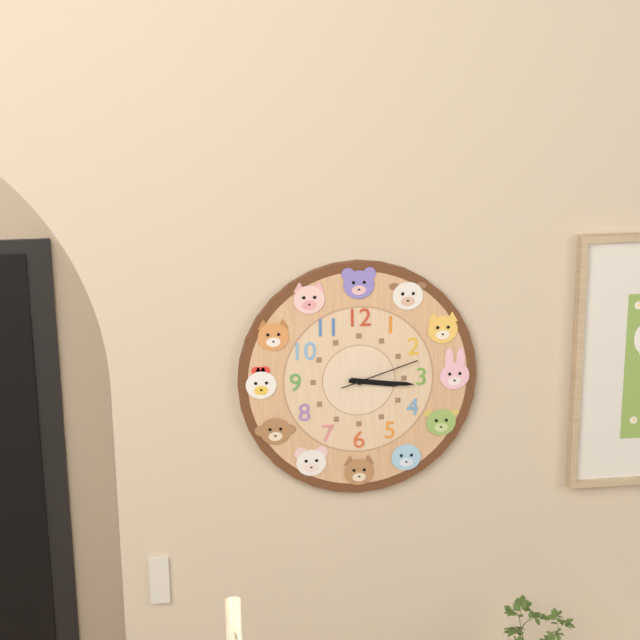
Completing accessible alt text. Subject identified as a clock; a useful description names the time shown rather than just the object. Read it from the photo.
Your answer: 3:16:12
